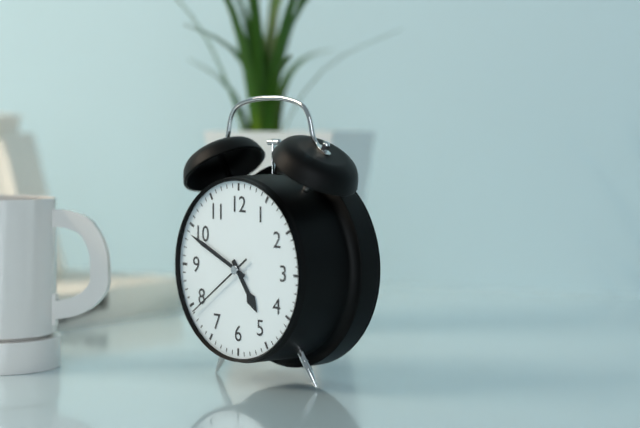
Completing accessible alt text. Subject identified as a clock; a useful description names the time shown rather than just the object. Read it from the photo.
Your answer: 4:49:39
